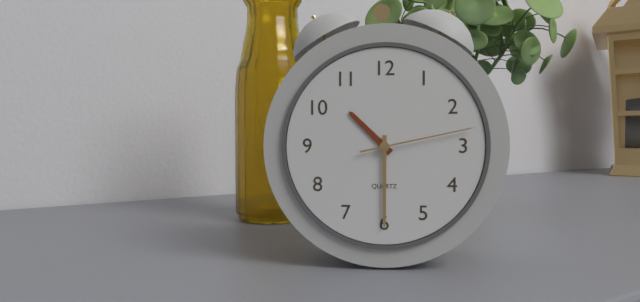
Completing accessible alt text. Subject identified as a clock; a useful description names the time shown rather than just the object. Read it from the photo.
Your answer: 10:30:13
